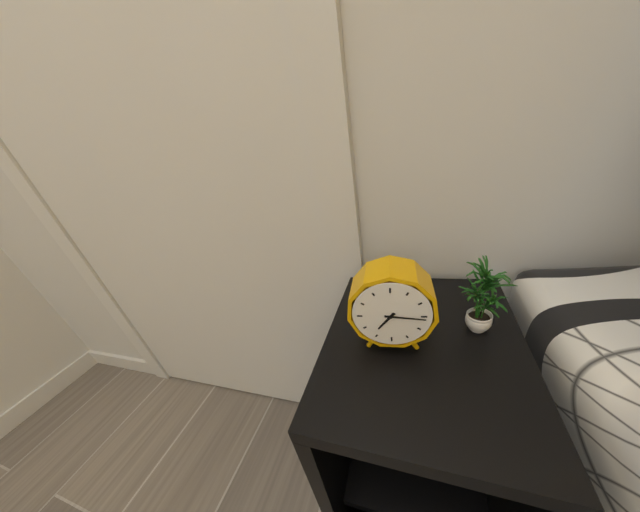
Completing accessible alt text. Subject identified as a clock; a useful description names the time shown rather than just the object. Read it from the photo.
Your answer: 7:16
